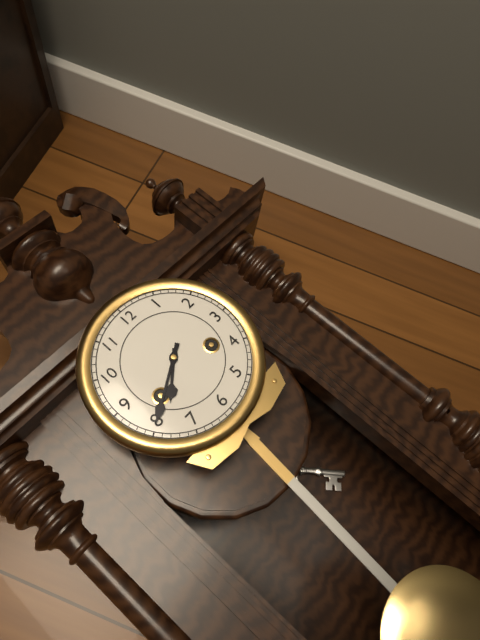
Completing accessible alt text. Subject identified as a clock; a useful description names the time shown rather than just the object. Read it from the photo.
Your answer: 7:40
